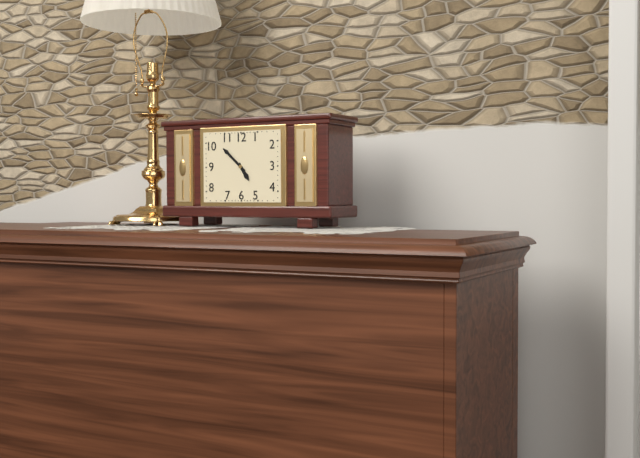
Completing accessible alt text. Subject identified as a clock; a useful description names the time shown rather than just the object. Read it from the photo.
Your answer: 4:52
